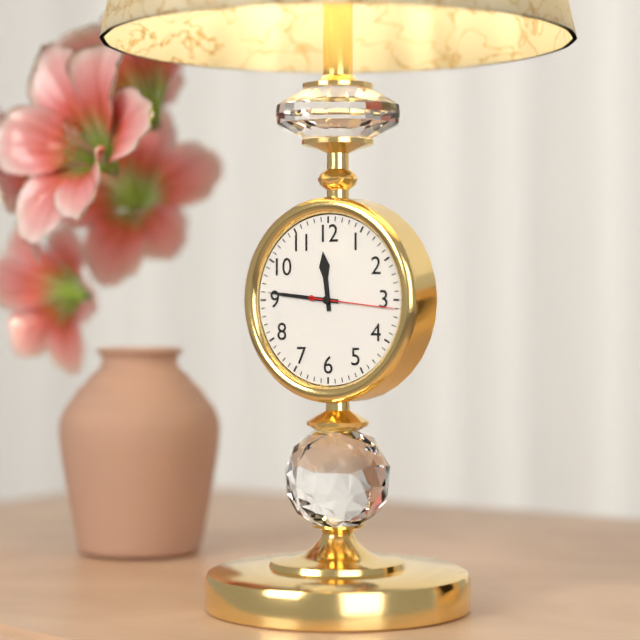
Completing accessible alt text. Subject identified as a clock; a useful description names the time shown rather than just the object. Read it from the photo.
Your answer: 11:46:16
